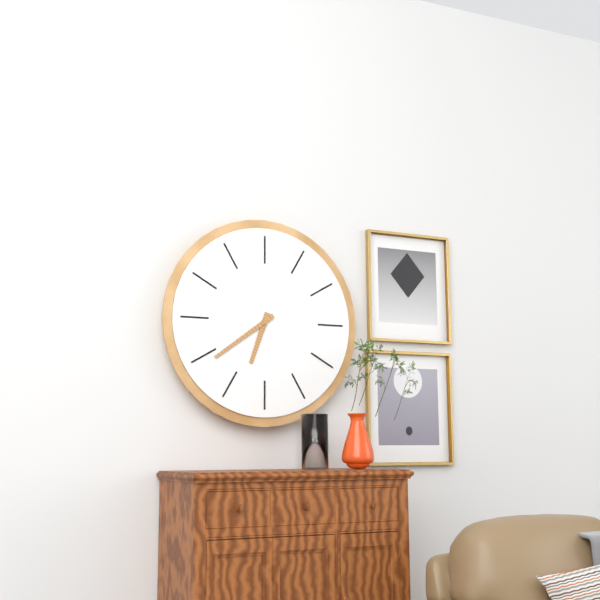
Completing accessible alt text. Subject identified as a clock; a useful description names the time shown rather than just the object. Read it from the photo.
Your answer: 6:39
